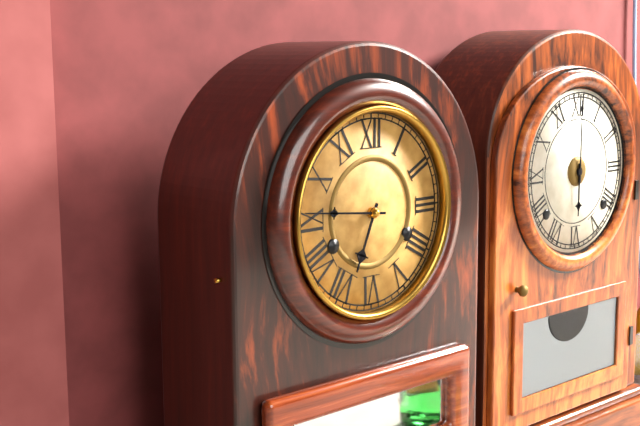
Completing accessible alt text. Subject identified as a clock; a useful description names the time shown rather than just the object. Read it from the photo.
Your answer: 6:46
